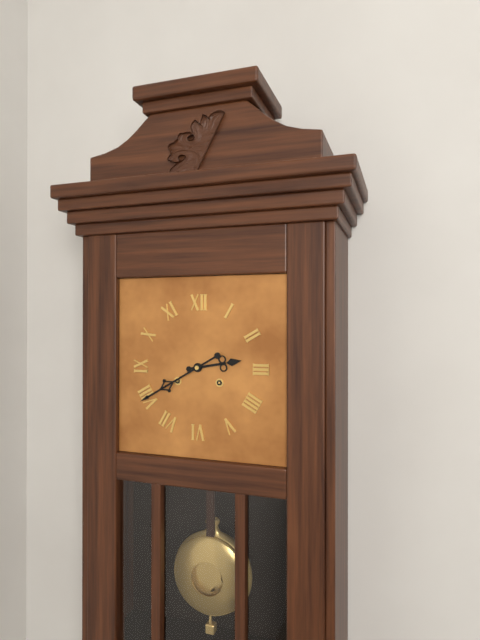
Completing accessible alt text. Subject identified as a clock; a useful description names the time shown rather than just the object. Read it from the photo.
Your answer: 2:40
